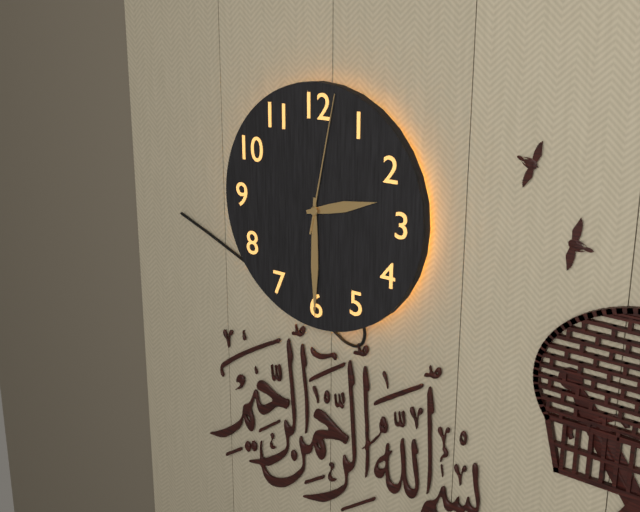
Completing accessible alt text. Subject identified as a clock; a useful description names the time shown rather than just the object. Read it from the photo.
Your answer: 2:30:02
